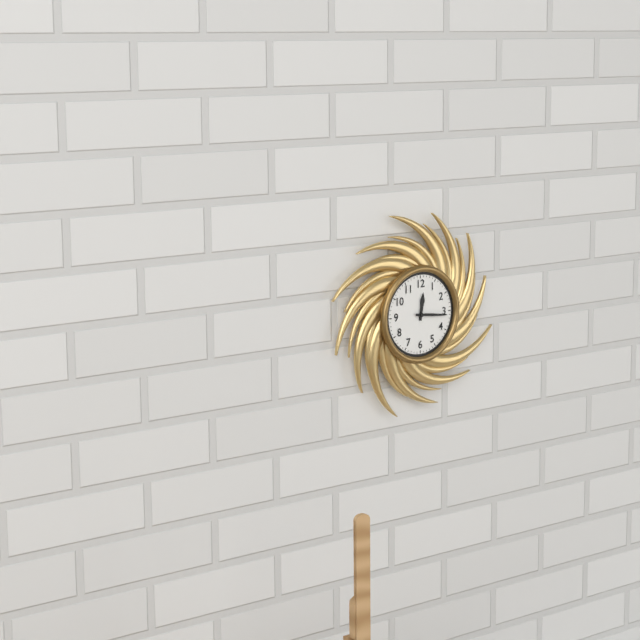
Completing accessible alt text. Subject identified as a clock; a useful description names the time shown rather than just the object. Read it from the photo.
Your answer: 12:16
